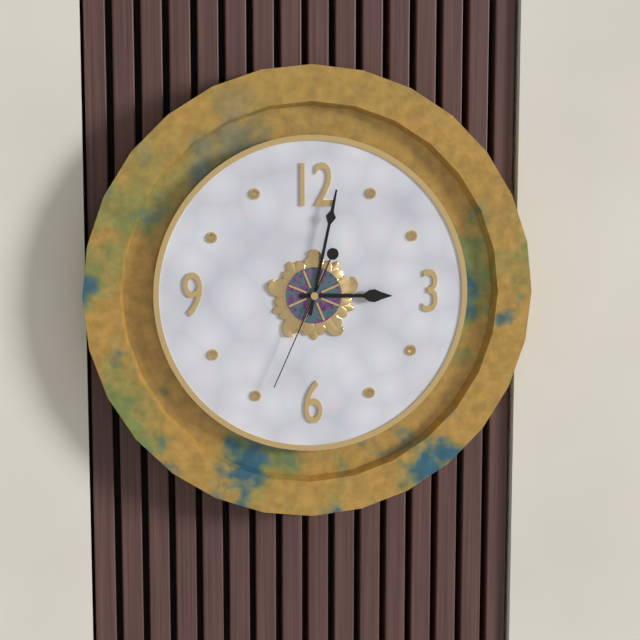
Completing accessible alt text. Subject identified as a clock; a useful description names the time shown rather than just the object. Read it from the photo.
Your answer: 3:02:34
